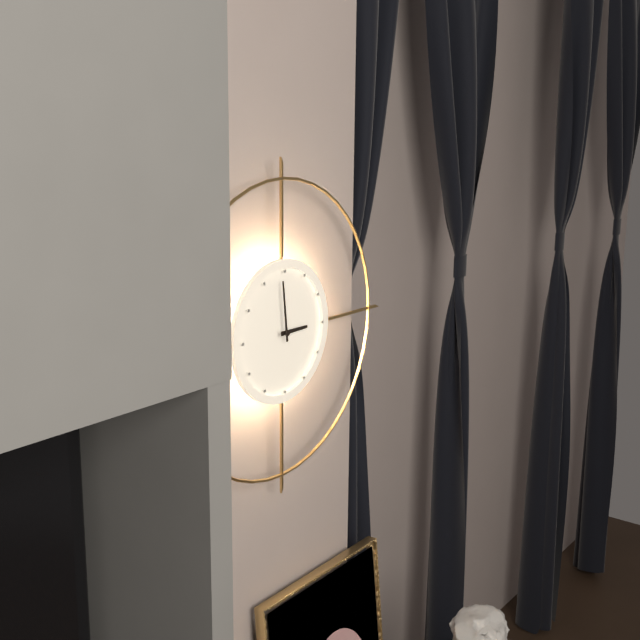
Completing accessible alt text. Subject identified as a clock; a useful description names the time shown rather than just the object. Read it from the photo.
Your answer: 2:59
